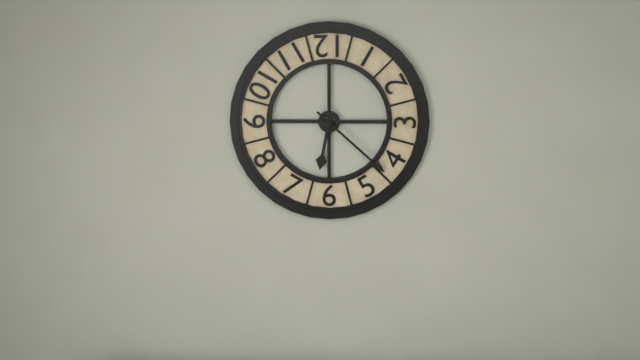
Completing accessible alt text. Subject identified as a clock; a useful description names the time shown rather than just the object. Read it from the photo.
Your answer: 6:22
